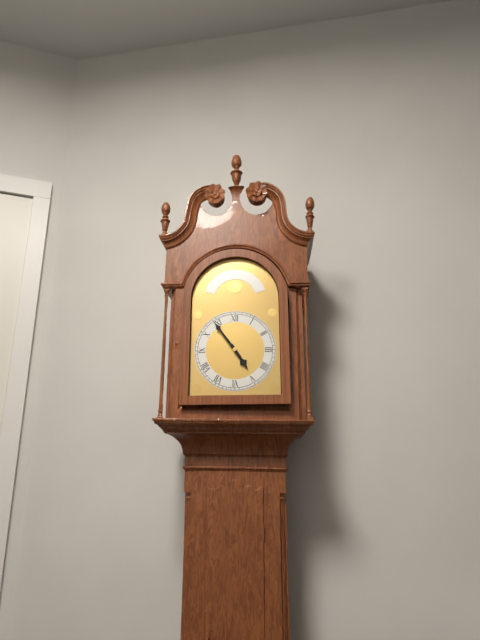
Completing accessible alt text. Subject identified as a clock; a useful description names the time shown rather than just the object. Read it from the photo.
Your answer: 4:54
